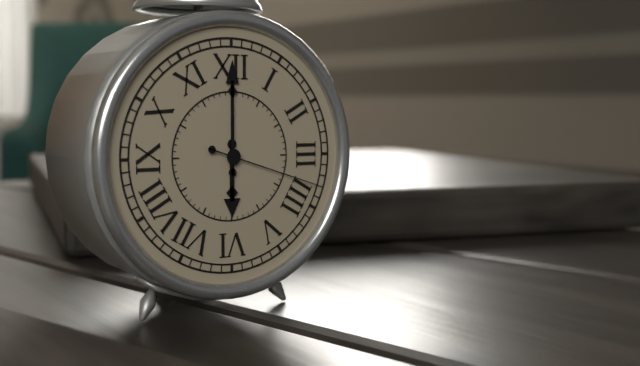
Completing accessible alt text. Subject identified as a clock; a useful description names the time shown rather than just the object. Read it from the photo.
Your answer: 6:00:18
